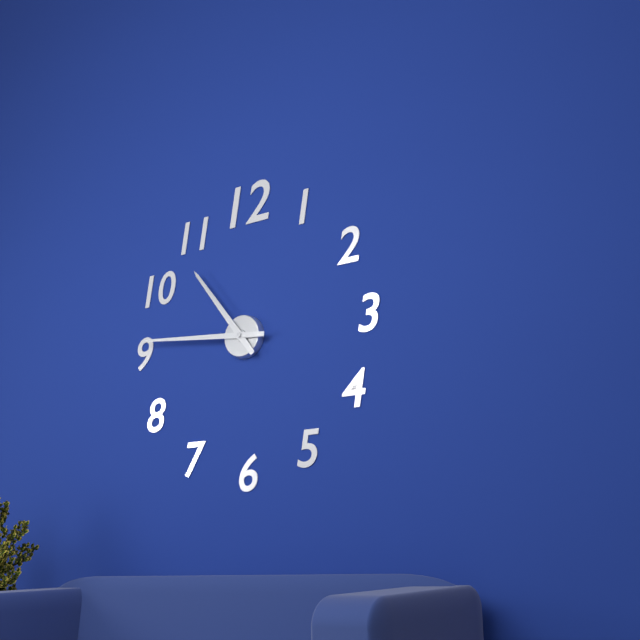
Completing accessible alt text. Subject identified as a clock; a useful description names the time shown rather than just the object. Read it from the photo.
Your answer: 10:46
